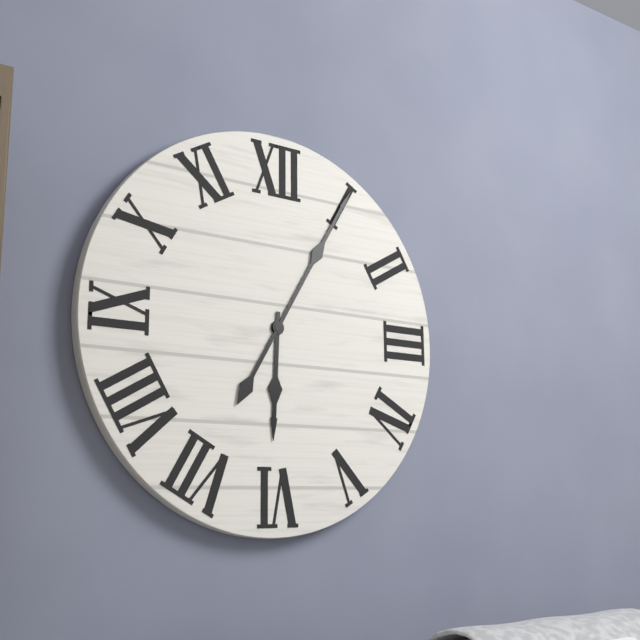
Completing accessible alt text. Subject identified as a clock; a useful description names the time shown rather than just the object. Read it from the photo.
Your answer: 6:05
